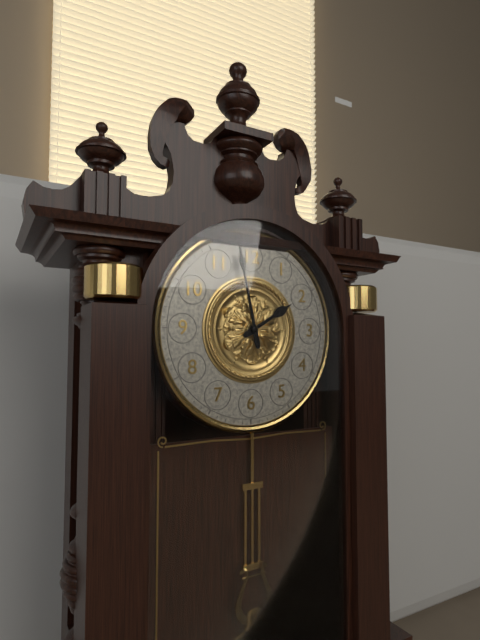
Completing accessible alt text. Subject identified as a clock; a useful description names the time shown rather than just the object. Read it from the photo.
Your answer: 1:58
